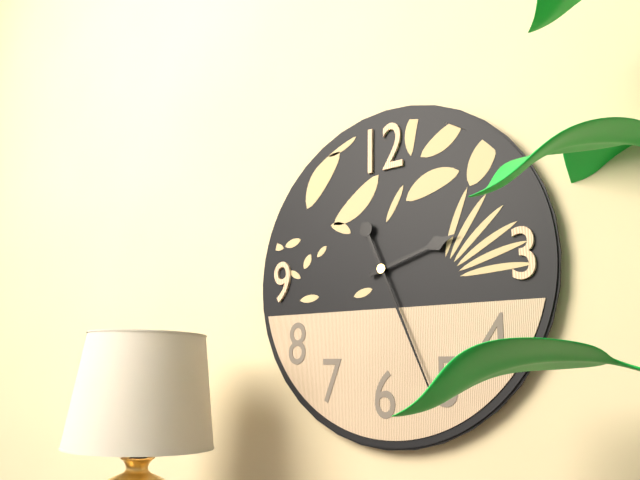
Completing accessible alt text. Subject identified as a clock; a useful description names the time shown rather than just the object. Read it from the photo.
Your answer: 2:26
